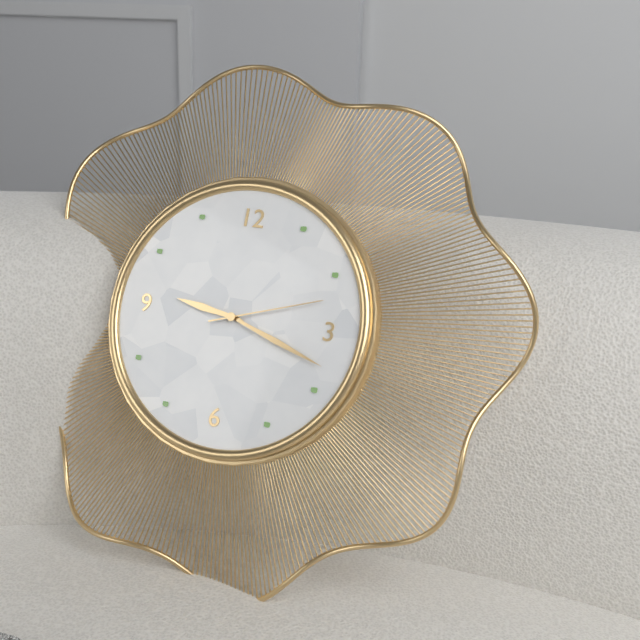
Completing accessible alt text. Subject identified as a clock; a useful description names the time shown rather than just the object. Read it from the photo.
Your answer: 9:18:12
